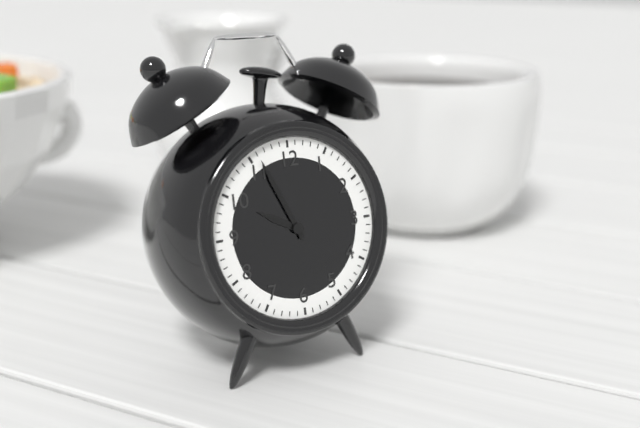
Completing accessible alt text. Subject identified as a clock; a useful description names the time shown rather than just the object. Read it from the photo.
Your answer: 9:56
